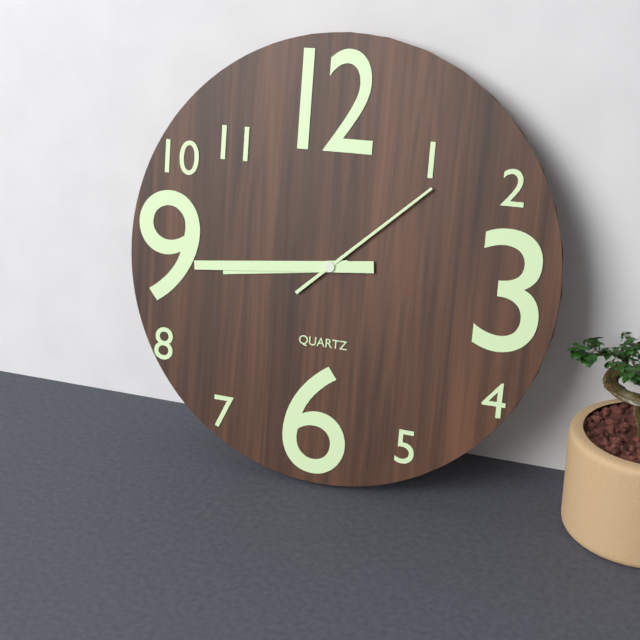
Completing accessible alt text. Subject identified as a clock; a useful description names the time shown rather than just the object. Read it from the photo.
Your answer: 8:44:08
